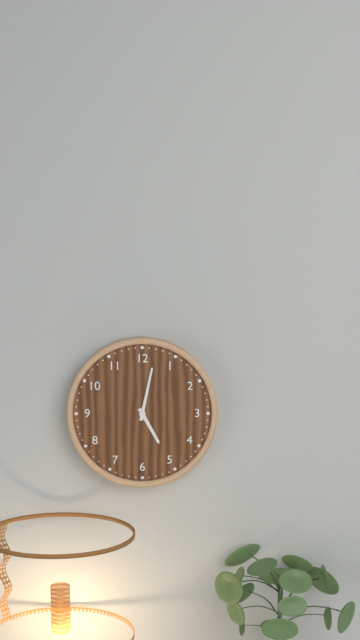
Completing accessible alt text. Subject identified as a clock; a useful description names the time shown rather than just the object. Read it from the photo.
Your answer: 5:02
